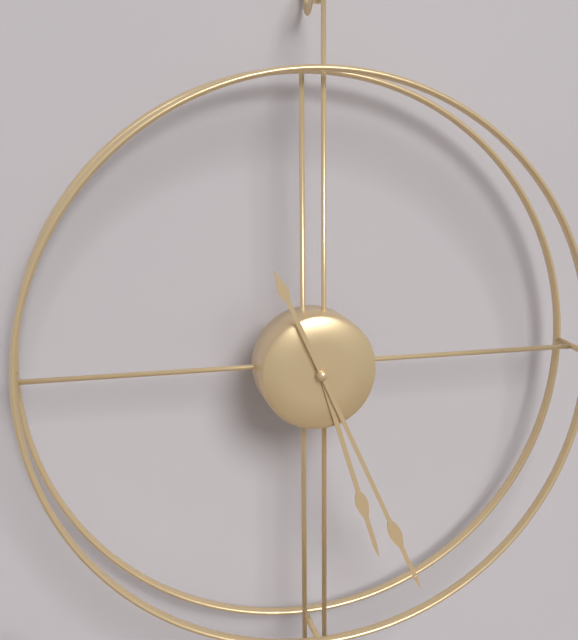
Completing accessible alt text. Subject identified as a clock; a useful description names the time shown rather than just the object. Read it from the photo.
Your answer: 5:26
